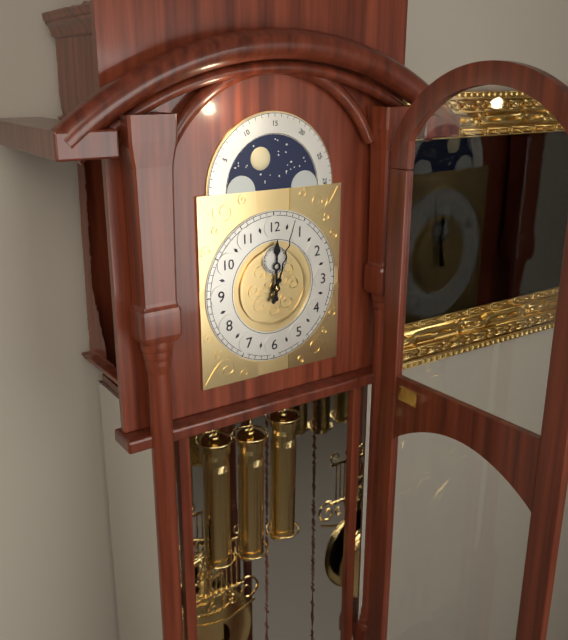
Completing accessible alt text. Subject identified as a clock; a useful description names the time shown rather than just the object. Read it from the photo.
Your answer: 12:03
